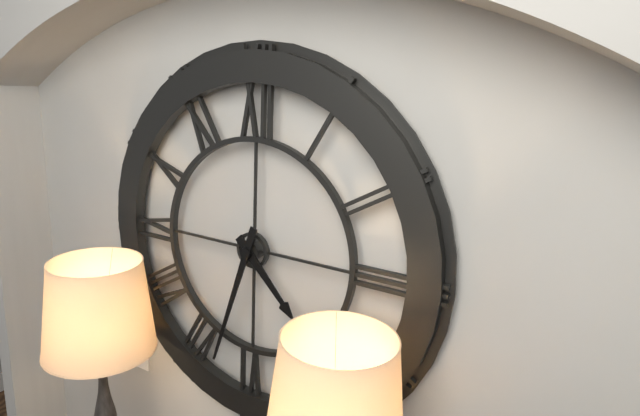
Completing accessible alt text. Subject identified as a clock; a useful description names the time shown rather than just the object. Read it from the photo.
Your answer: 4:33
